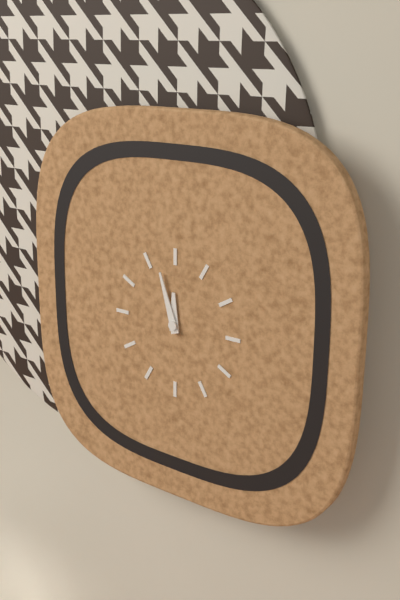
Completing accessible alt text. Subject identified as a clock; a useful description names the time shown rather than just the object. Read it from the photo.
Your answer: 11:57
